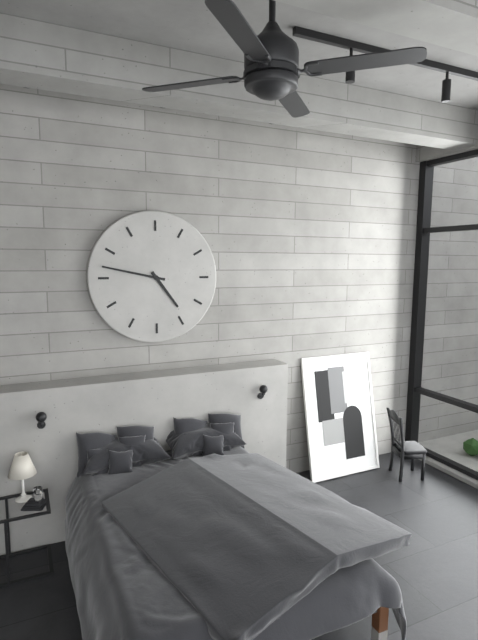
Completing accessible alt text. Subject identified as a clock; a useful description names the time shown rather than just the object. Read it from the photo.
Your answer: 4:47
